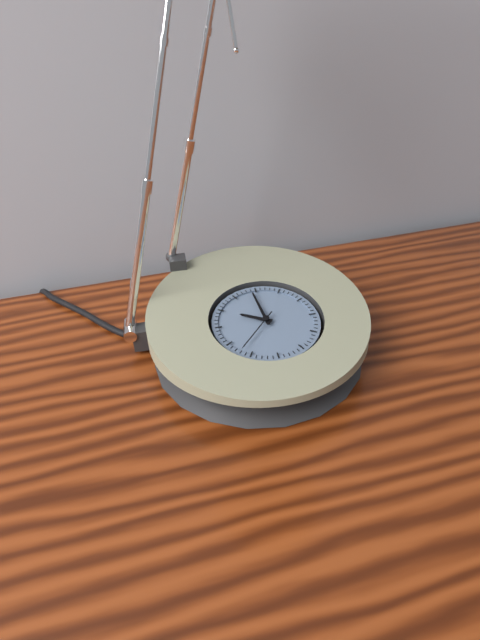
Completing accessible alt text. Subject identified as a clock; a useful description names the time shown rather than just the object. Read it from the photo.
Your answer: 9:59
